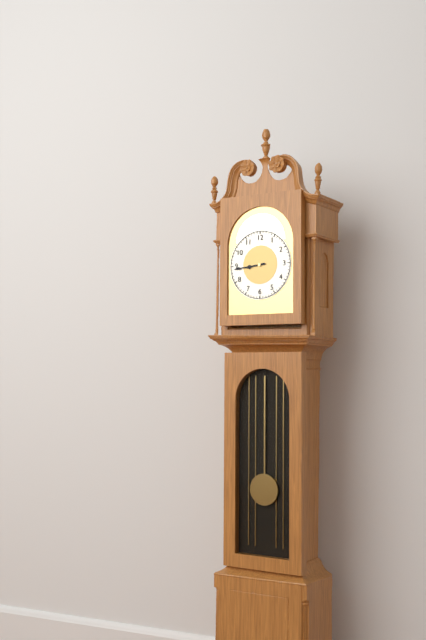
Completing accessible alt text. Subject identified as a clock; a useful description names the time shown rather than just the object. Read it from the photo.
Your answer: 8:44
